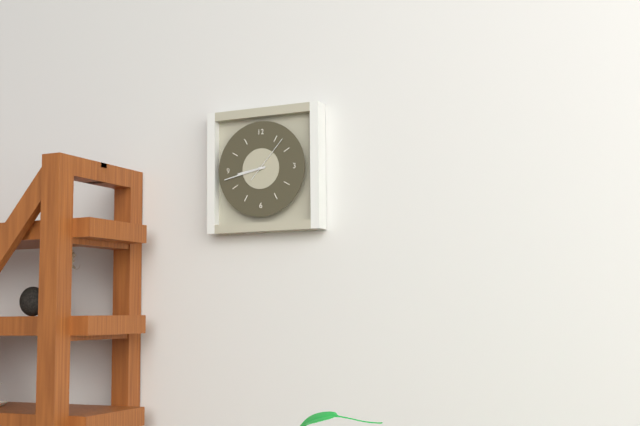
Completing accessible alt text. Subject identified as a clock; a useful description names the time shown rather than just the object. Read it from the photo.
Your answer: 8:43
